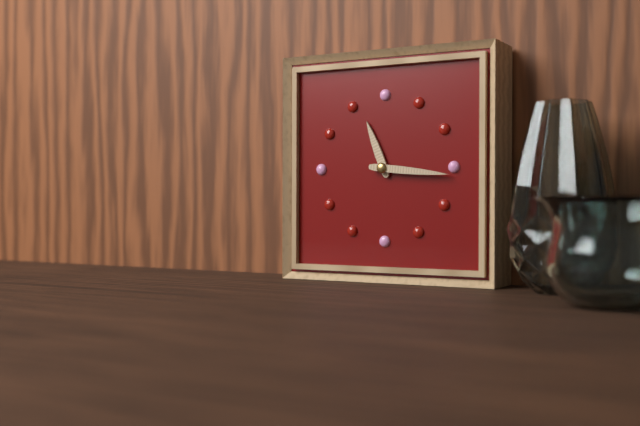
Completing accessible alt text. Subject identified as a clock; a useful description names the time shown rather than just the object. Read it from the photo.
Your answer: 11:16
